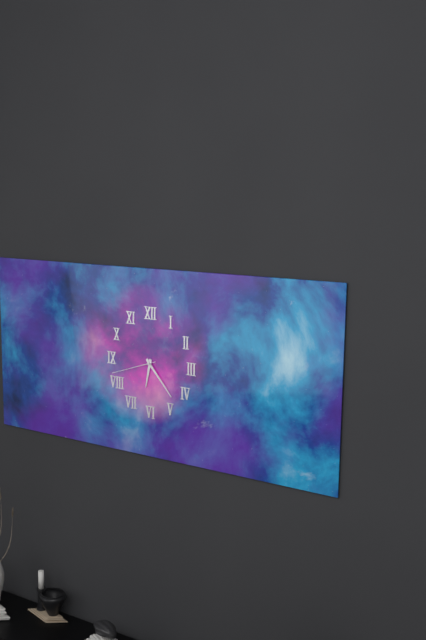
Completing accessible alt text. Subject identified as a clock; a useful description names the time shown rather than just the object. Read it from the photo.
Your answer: 6:23
